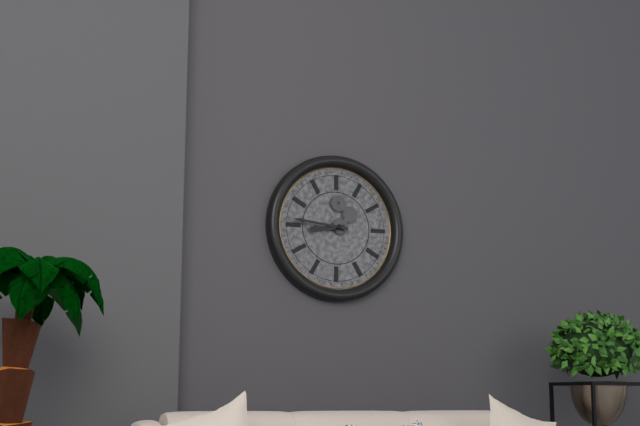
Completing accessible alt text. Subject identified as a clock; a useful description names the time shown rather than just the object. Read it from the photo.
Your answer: 8:46
